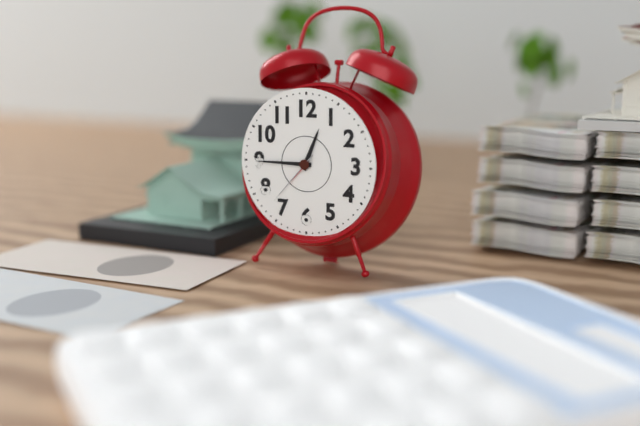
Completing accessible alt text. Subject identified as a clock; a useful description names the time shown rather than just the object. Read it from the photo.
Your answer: 12:45:37
